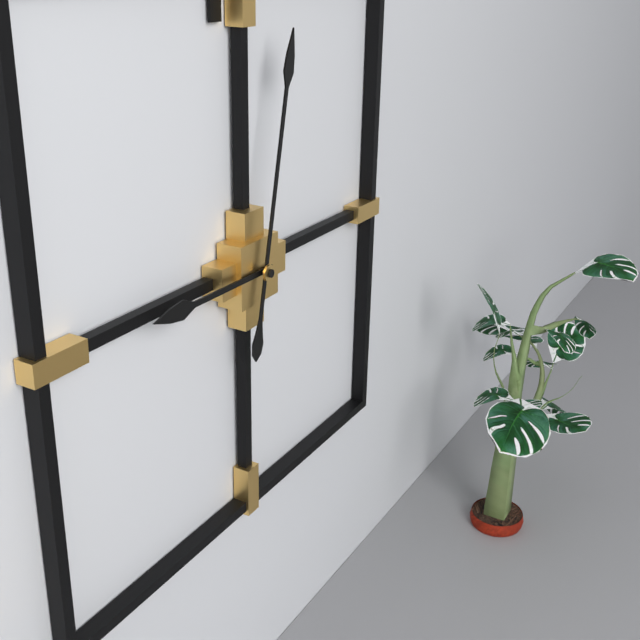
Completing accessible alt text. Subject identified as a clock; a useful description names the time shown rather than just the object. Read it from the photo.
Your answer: 9:02
